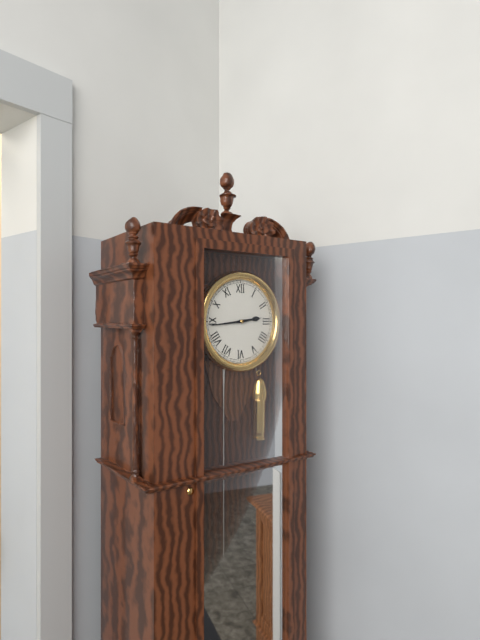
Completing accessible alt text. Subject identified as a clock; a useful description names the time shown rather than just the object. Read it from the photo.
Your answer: 2:44
